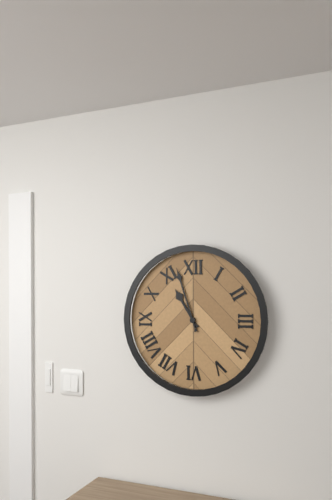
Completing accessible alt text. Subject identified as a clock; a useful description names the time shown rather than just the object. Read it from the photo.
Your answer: 10:57
